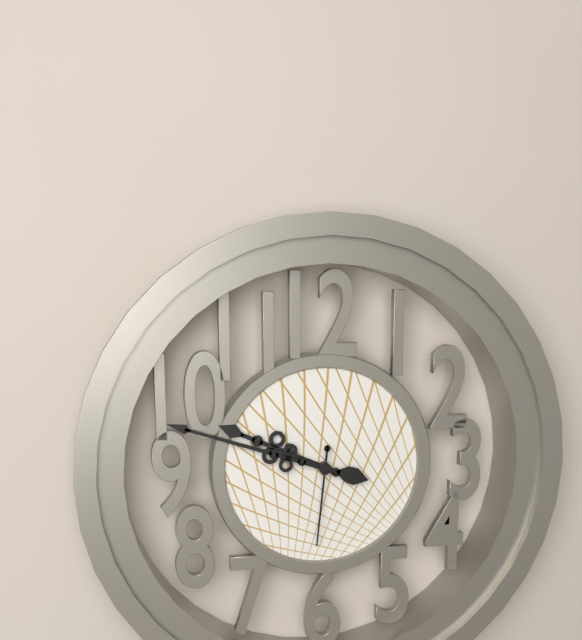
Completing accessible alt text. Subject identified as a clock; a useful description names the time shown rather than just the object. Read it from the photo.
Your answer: 9:48:31
